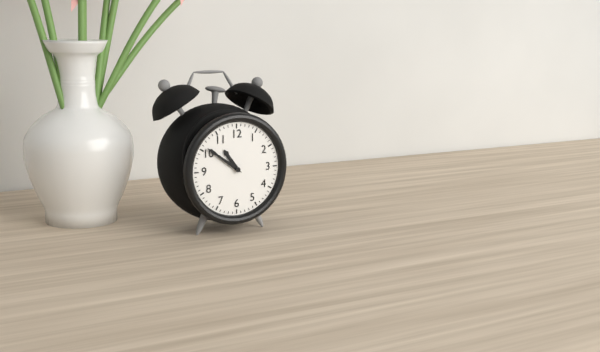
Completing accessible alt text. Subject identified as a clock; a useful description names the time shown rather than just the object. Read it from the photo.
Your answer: 10:51
